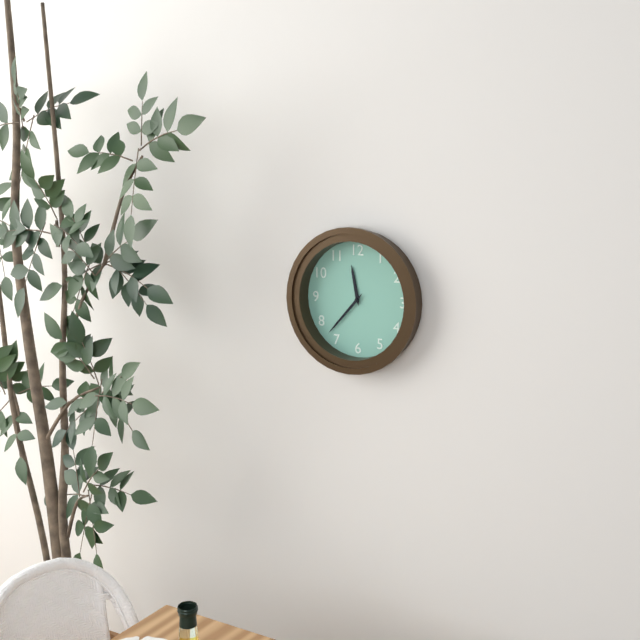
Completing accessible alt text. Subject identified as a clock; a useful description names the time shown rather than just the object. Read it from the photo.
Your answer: 11:37
